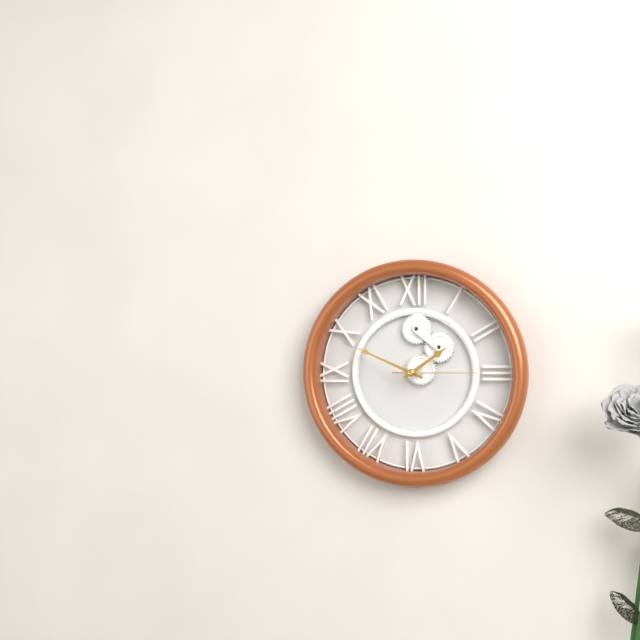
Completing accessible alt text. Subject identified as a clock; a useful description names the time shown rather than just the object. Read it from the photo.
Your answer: 1:49:15
